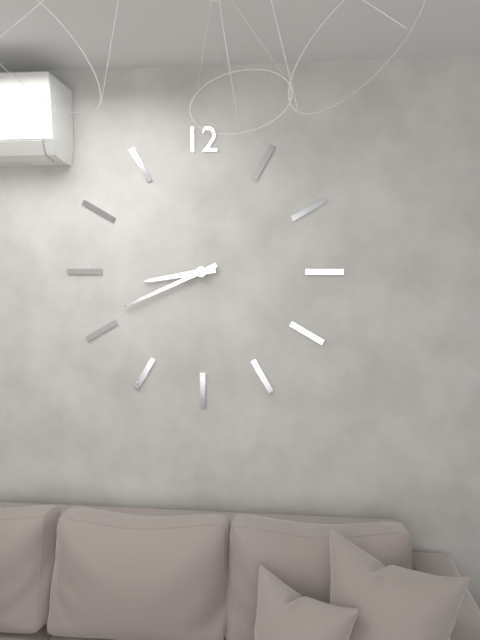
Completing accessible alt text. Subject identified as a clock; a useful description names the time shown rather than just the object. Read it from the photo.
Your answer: 8:41
